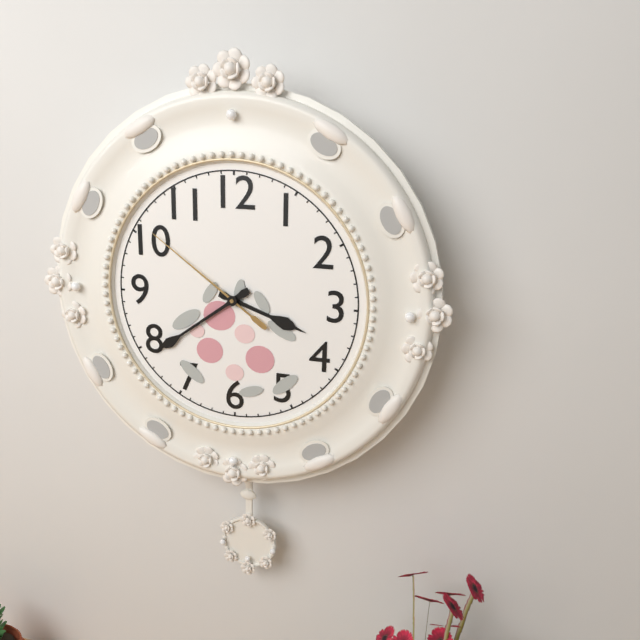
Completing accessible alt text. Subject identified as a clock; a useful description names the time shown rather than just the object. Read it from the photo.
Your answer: 3:39:51
